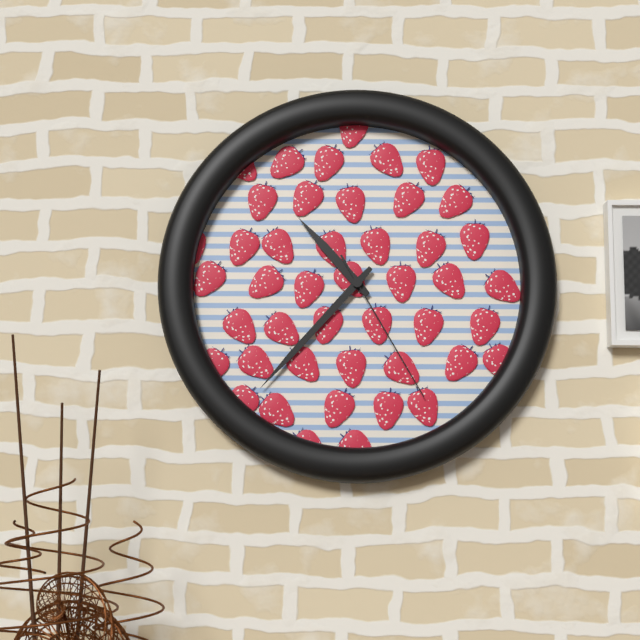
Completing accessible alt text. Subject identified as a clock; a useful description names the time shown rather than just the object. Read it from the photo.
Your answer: 10:37:25
